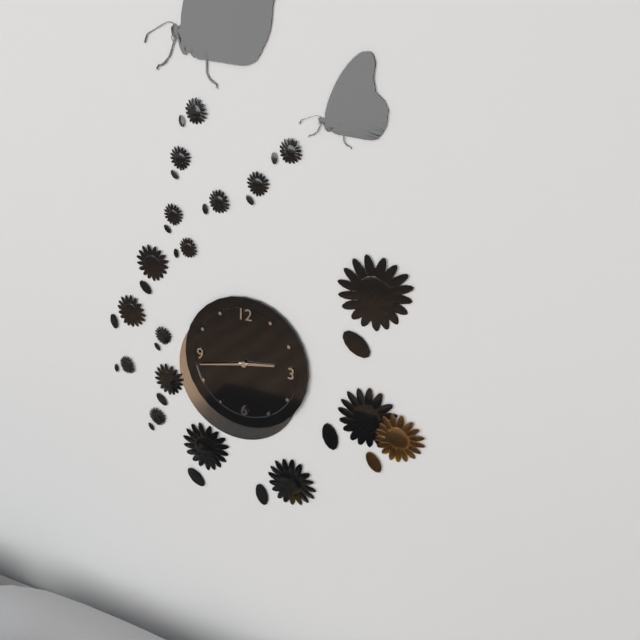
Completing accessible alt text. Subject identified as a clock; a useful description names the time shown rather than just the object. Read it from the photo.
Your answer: 2:43
